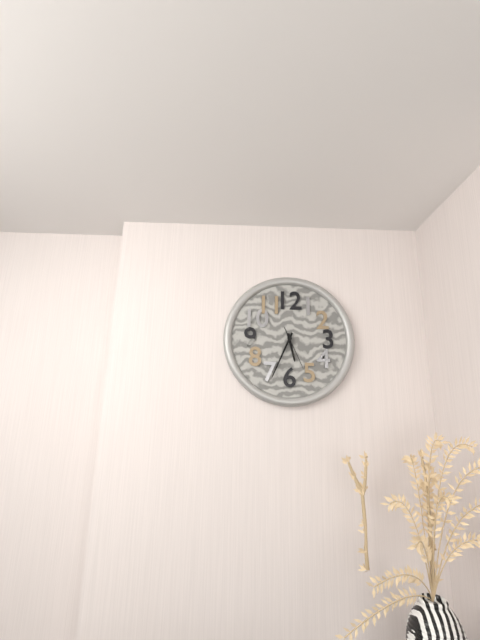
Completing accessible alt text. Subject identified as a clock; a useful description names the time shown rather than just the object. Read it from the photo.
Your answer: 5:34
